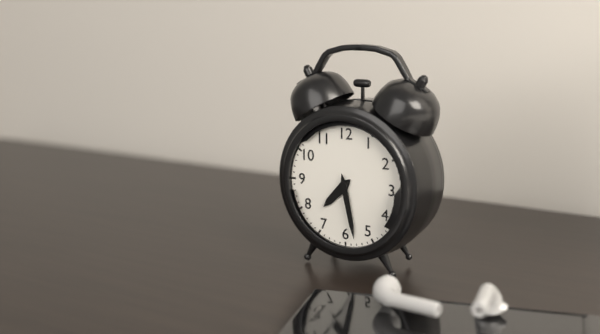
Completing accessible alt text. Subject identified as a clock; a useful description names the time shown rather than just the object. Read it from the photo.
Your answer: 7:28
